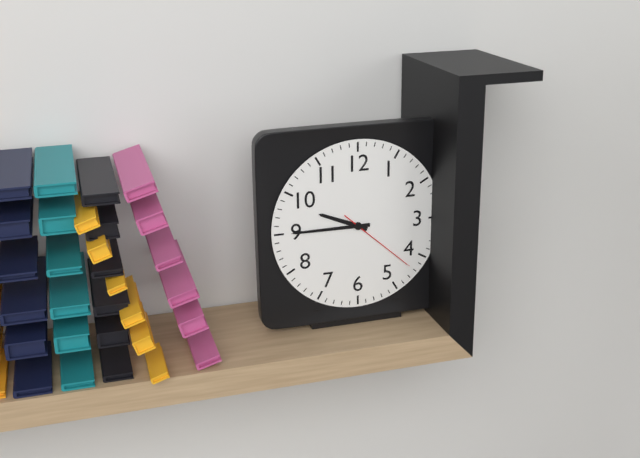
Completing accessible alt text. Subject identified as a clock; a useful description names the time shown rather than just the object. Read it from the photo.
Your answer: 9:45:22
